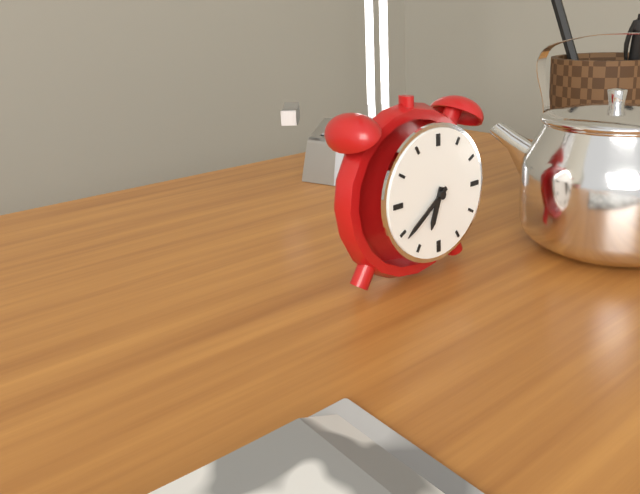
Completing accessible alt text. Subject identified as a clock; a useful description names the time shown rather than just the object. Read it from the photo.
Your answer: 6:39
